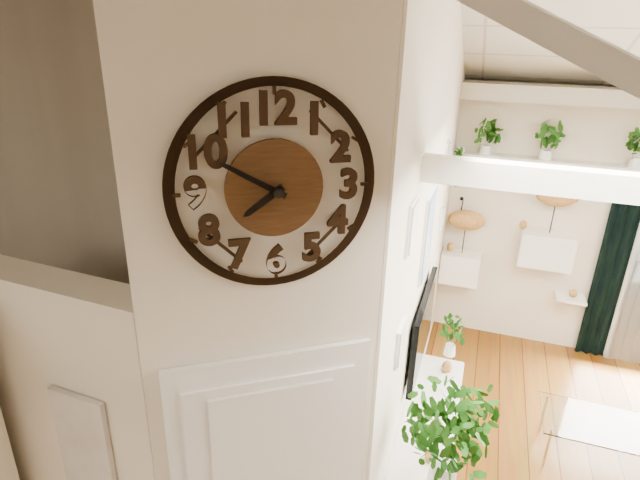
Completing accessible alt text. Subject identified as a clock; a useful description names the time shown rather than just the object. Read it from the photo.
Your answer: 7:50
